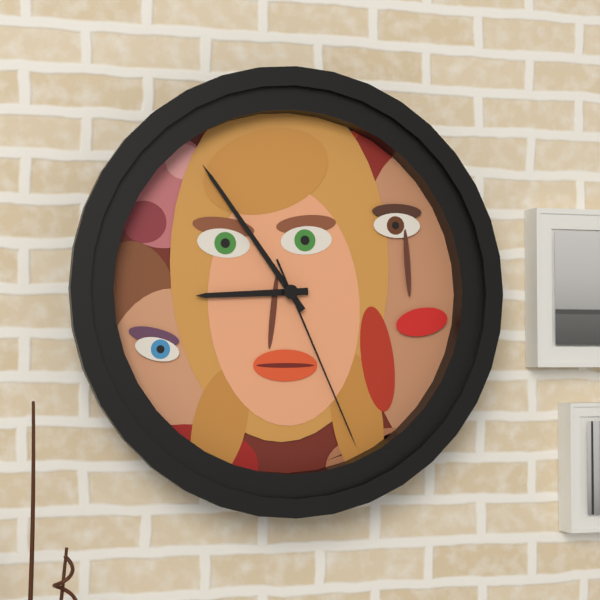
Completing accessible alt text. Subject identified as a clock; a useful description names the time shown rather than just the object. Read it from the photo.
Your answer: 8:54:26
